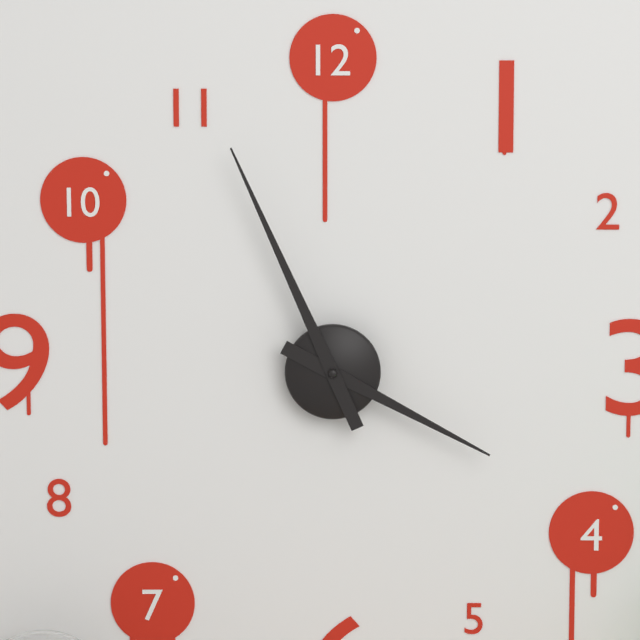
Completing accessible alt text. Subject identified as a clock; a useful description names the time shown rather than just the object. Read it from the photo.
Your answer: 3:56
